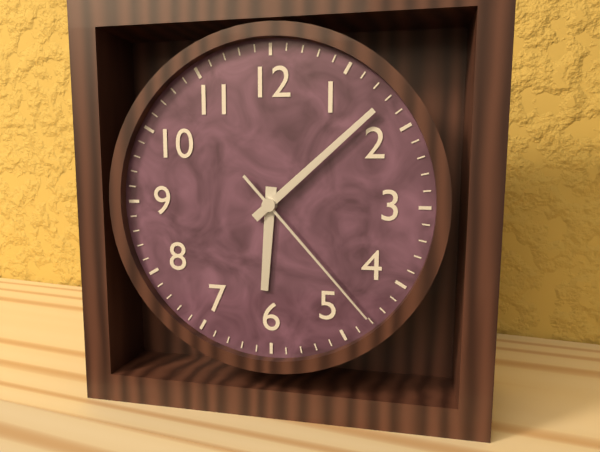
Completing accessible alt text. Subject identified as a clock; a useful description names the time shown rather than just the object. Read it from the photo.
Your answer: 6:08:23
